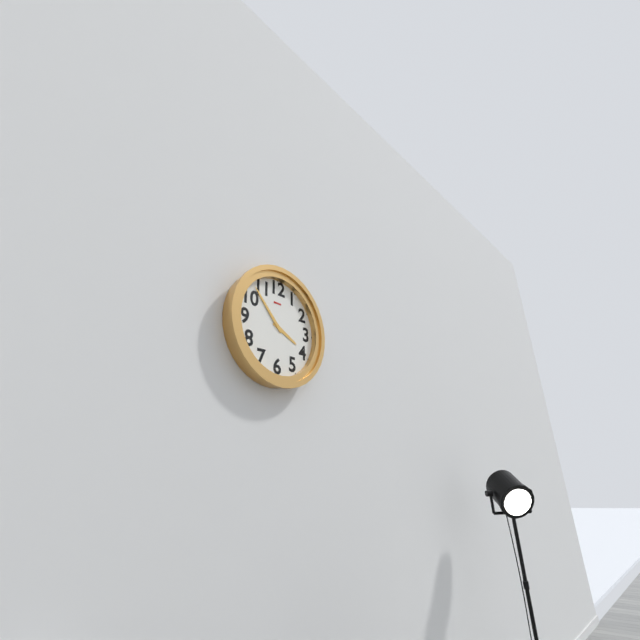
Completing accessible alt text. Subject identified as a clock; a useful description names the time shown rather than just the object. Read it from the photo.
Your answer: 3:53
